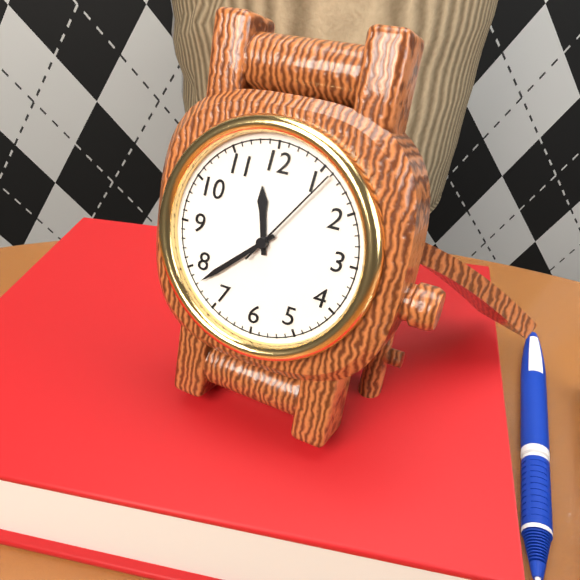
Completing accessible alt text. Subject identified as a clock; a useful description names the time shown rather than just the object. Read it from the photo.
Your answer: 11:38:06
